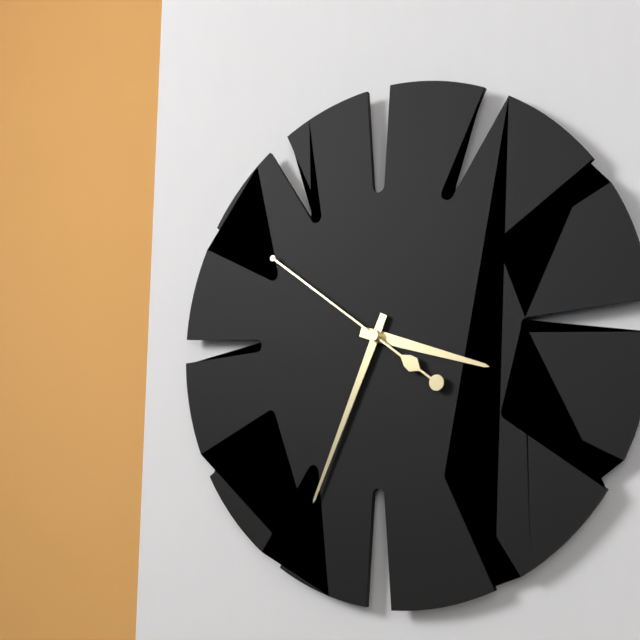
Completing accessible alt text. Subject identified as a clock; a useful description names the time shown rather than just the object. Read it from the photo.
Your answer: 3:34:51
